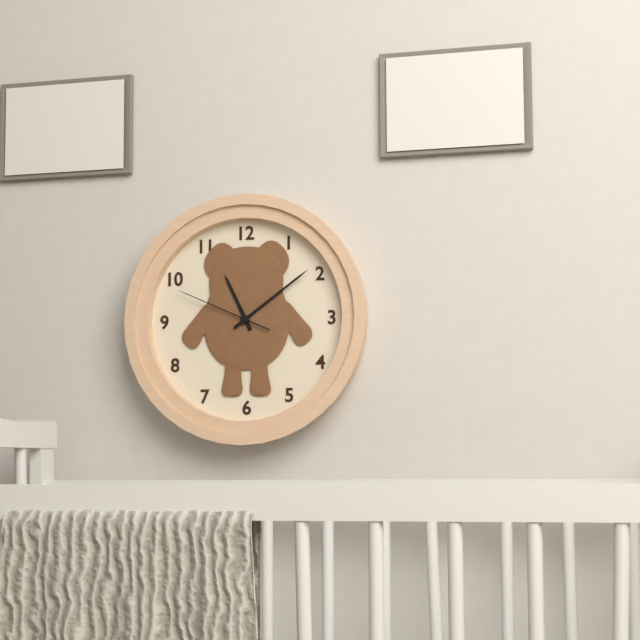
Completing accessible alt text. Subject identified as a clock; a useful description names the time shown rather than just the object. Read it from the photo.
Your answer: 11:09:49
